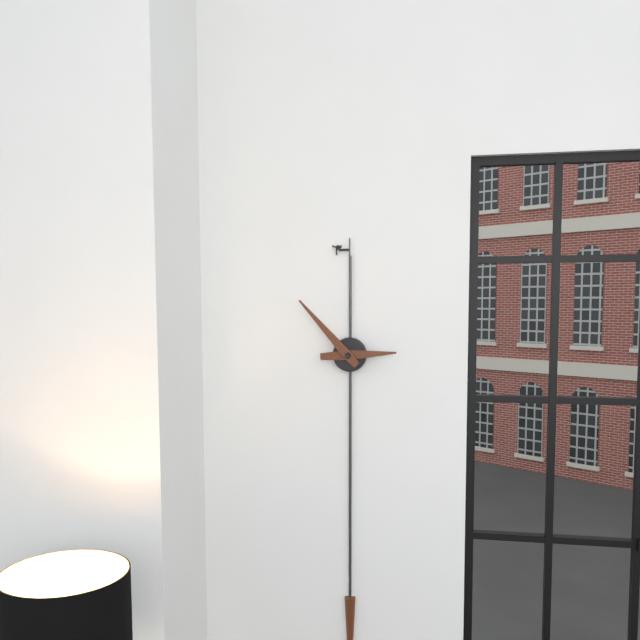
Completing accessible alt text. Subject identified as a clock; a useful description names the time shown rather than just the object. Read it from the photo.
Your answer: 2:53
